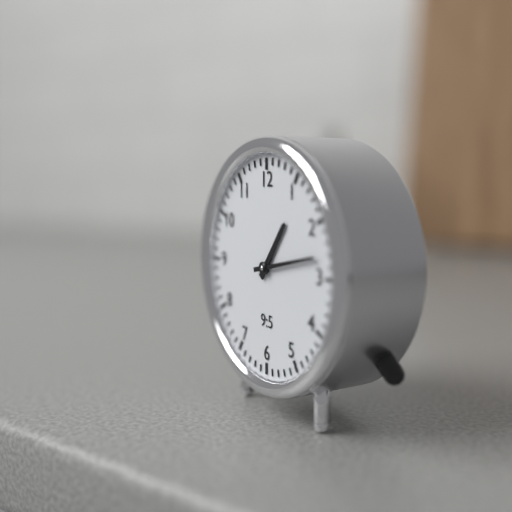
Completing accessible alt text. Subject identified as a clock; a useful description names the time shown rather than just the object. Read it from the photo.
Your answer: 1:13
